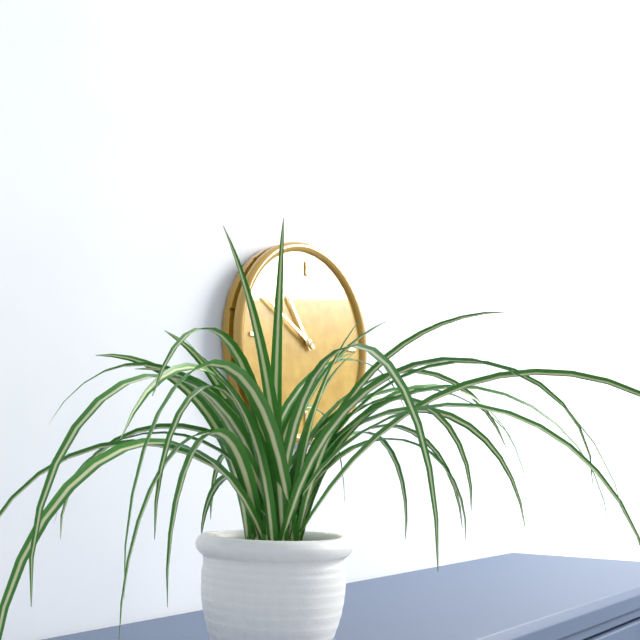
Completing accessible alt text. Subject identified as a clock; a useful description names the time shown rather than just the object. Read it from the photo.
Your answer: 10:50
